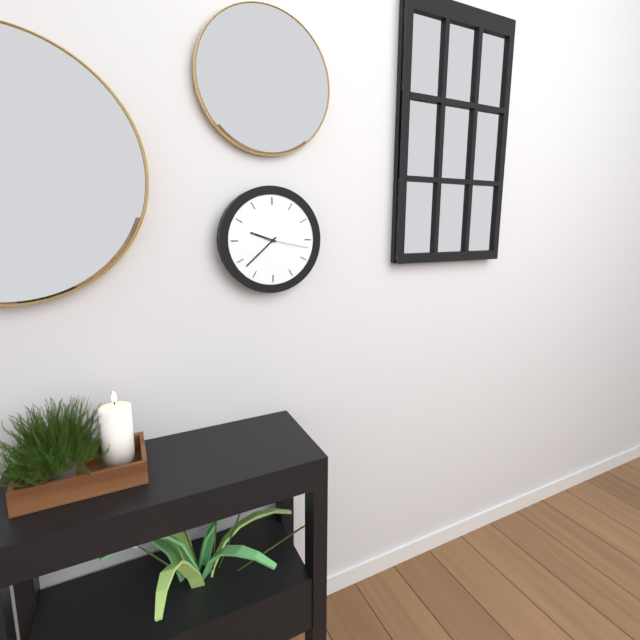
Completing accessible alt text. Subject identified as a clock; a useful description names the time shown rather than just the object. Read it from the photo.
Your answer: 9:38
